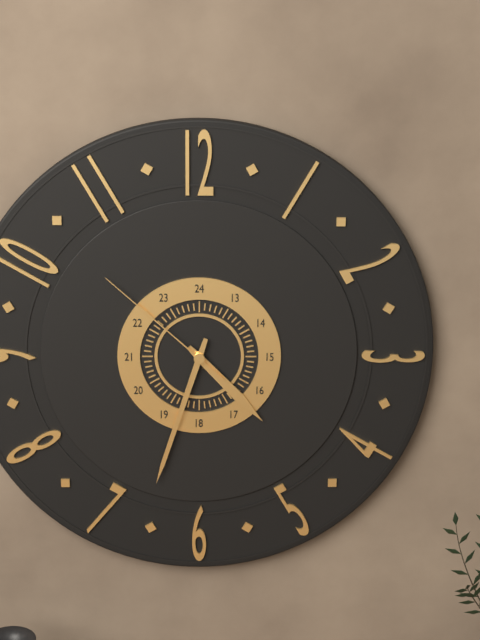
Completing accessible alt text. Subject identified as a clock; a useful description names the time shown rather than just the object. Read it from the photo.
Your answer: 4:33:52
